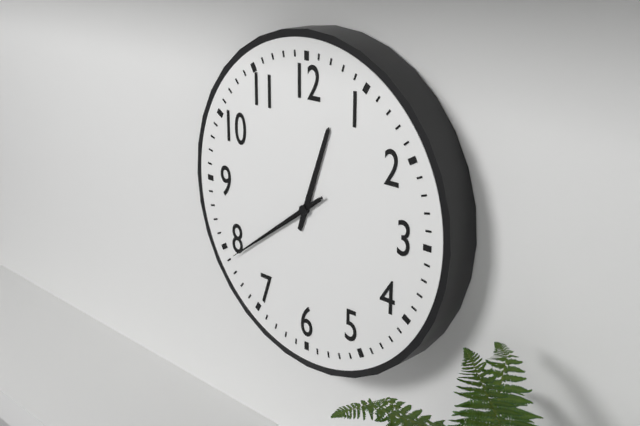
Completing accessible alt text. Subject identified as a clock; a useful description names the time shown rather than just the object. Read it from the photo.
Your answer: 12:39:39
